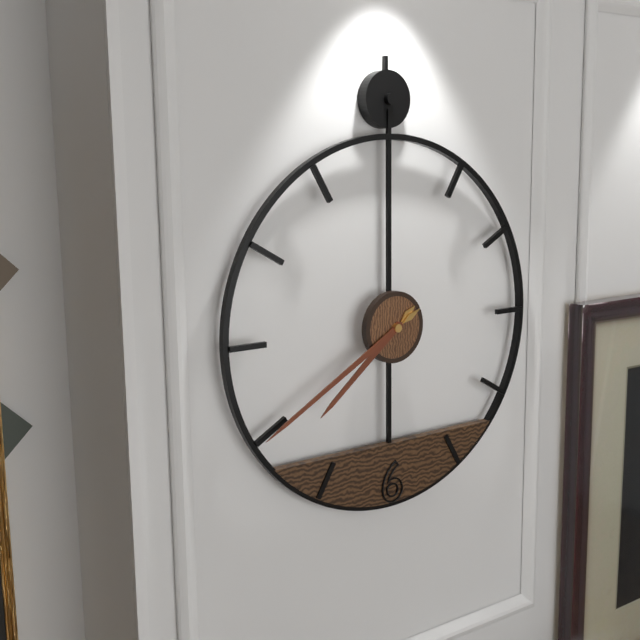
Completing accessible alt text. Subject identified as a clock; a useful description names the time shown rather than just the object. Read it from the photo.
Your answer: 7:40
